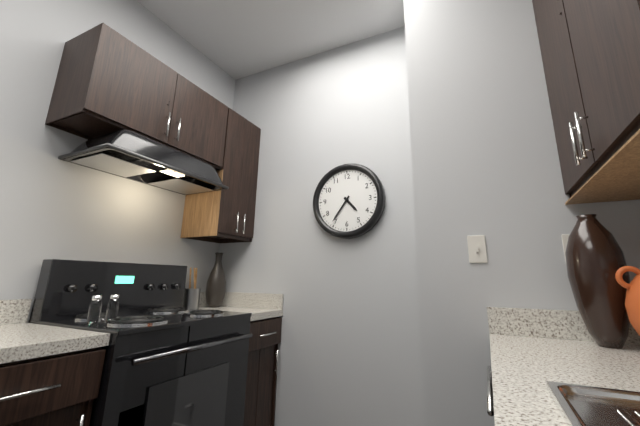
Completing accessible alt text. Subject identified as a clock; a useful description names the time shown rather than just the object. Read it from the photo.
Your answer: 4:36
